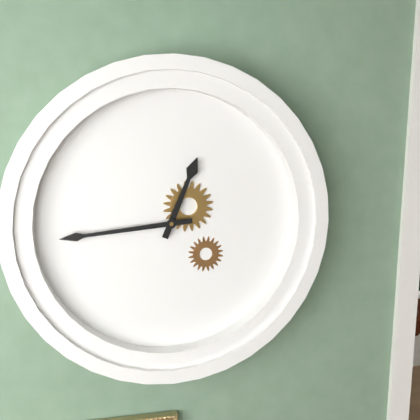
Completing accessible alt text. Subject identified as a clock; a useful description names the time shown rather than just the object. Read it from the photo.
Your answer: 12:44
